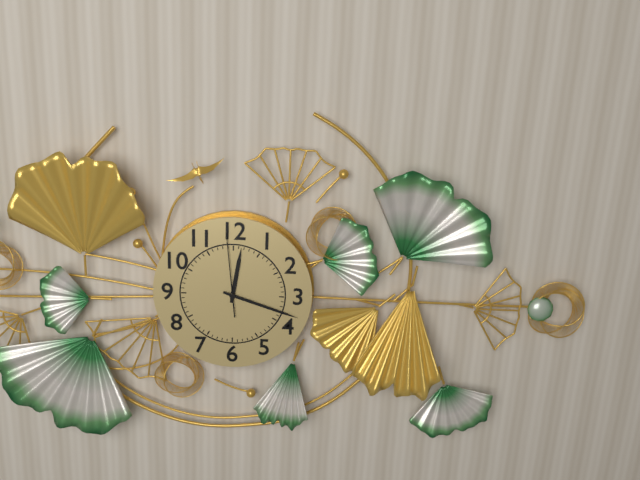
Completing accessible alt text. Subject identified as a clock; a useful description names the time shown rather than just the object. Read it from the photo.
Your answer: 12:18:59
